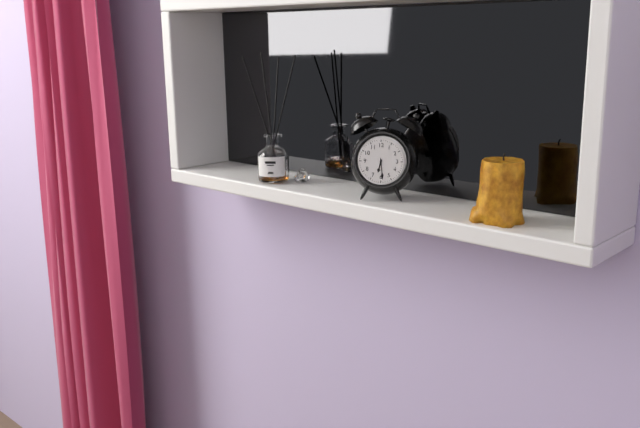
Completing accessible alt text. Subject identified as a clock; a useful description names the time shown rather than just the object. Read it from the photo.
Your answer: 6:29
